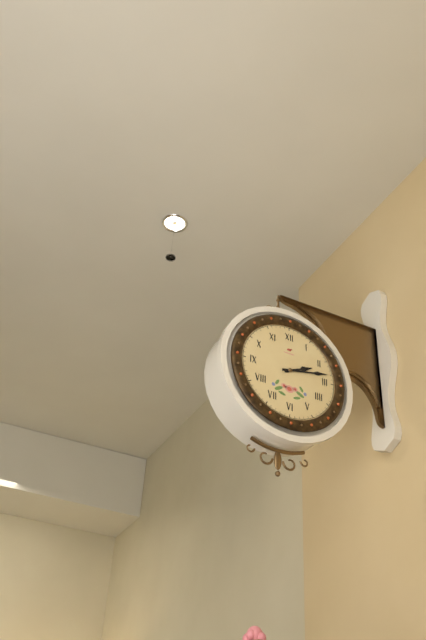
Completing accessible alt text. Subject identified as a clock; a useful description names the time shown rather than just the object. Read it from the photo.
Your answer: 2:13
